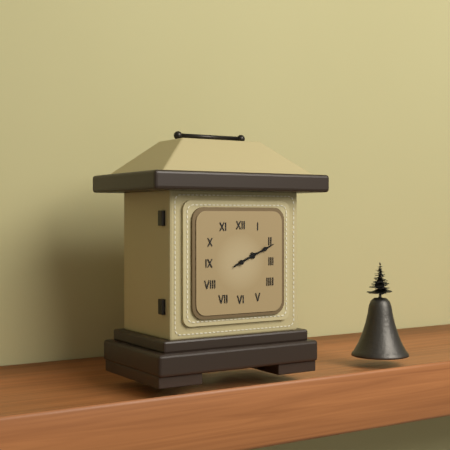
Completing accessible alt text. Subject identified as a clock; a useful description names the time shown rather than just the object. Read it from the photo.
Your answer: 2:11
